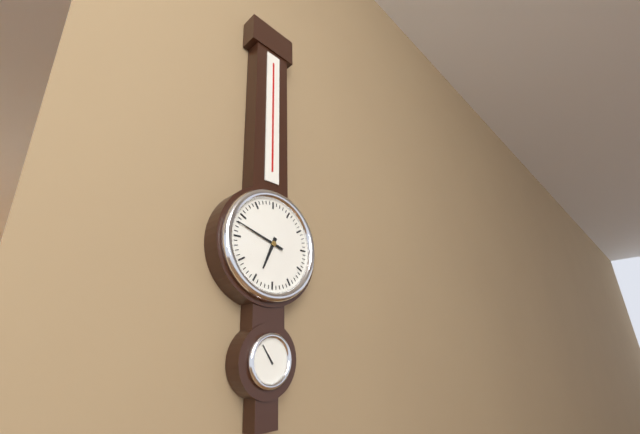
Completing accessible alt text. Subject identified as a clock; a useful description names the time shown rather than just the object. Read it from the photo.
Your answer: 6:48
